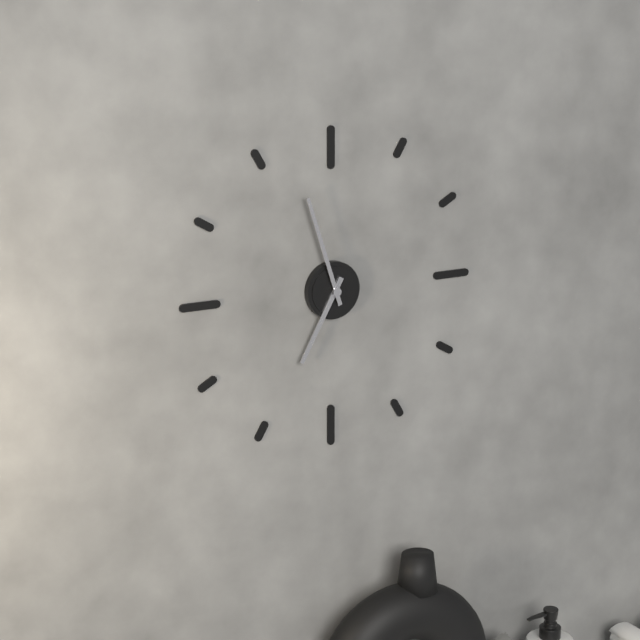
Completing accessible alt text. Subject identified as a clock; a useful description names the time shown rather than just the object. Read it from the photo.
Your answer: 6:57
